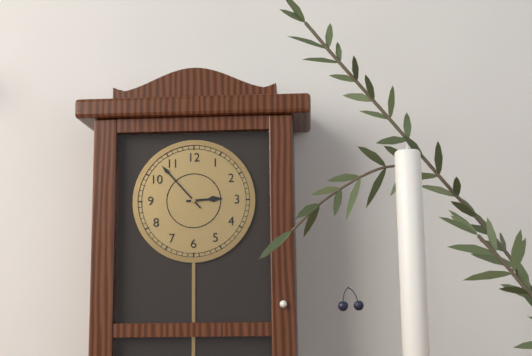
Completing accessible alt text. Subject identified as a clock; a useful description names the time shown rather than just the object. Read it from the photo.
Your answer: 2:53
